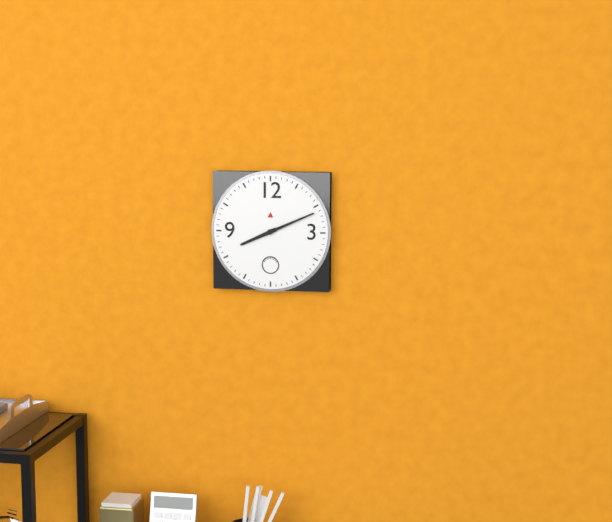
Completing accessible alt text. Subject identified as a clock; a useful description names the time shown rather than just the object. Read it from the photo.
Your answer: 8:11
